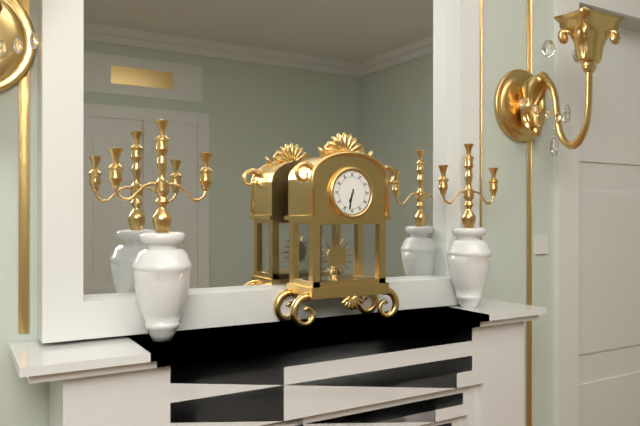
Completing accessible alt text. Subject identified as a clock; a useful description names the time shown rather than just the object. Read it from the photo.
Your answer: 6:32
